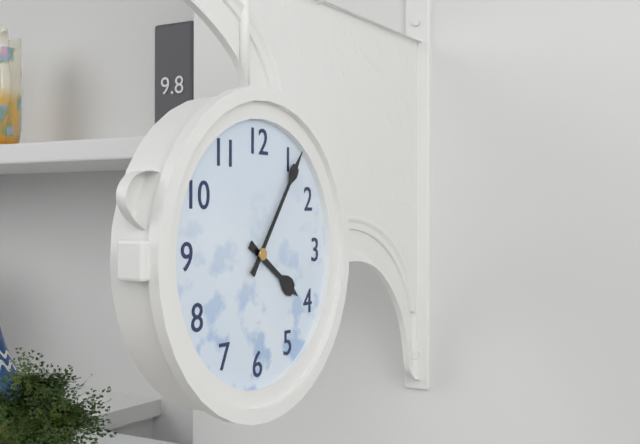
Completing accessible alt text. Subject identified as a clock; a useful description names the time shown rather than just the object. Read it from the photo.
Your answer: 4:06
